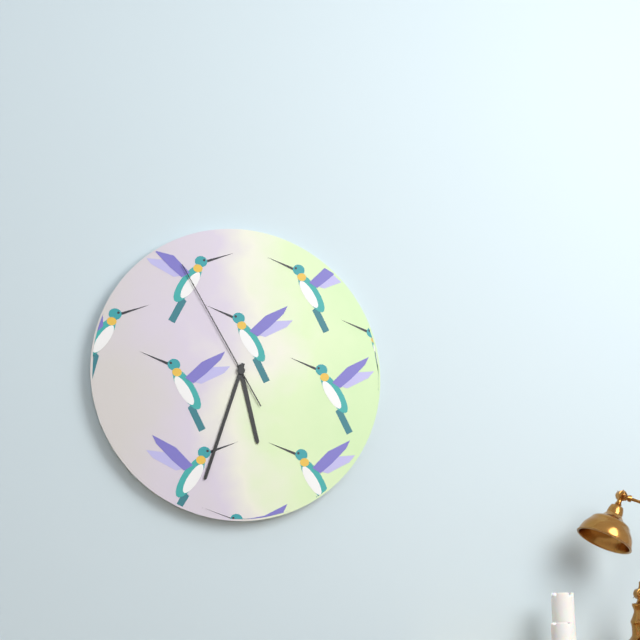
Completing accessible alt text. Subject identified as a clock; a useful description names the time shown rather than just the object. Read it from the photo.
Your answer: 5:33:55
